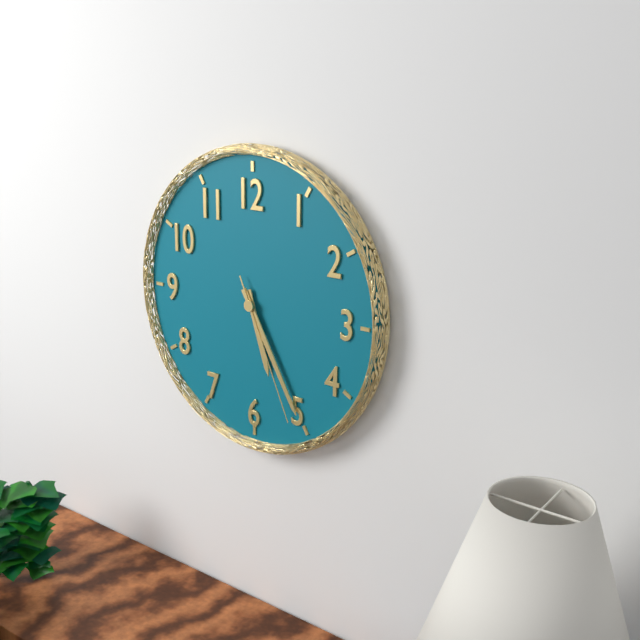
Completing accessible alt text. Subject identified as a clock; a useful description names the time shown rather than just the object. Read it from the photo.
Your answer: 5:25:26
